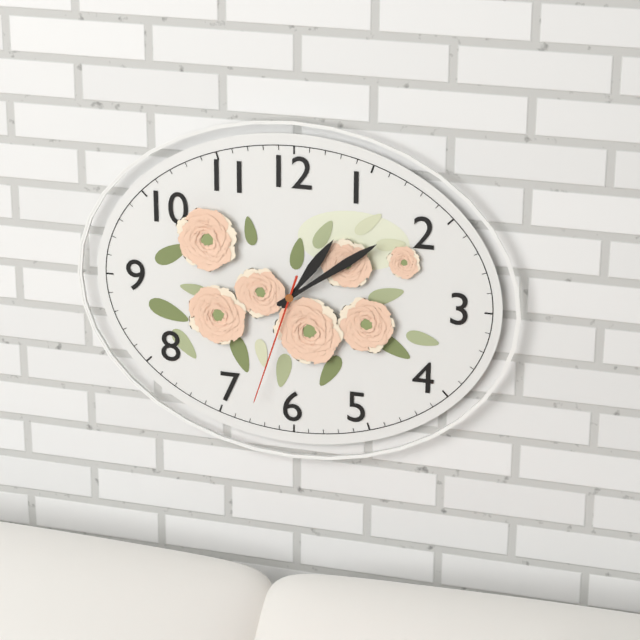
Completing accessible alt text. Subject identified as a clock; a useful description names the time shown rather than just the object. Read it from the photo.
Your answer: 1:09:33
